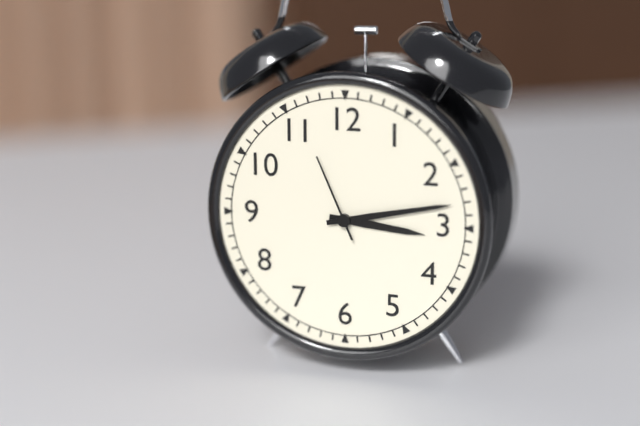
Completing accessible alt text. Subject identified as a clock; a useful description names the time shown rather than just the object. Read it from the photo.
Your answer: 3:13:56
